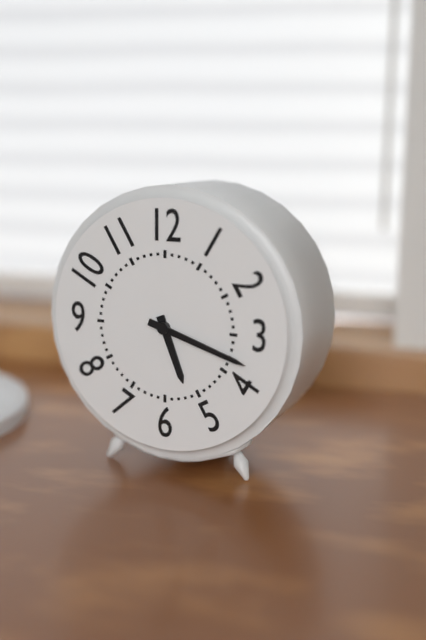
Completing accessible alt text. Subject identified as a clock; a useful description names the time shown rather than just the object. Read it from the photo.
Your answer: 5:18
